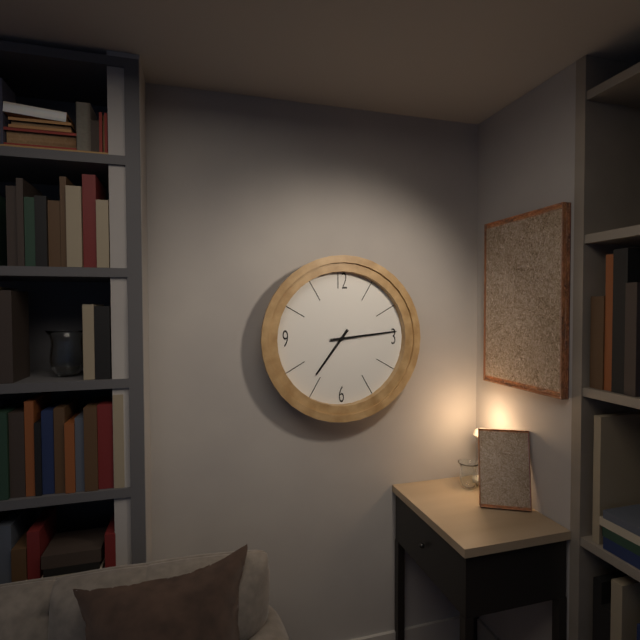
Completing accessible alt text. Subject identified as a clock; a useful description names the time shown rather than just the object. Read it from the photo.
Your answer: 7:14
